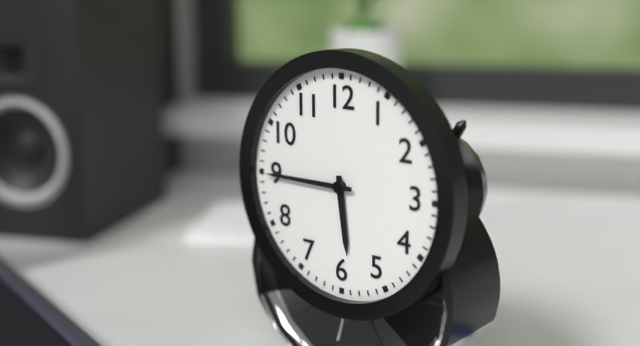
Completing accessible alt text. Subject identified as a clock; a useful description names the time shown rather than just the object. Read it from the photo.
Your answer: 5:45
